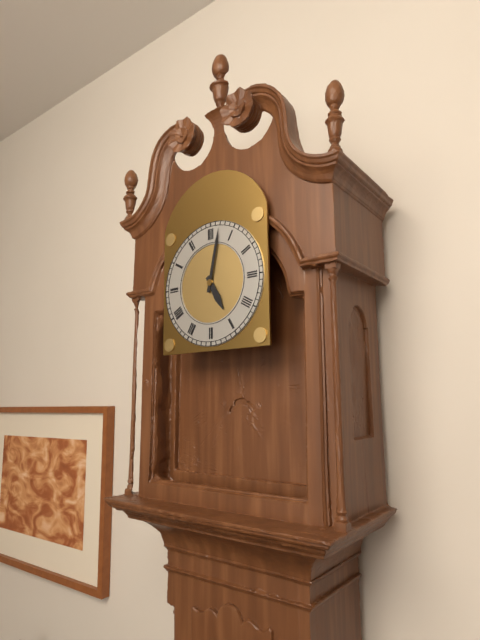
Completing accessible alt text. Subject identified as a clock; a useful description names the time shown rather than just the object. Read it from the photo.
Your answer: 5:02
